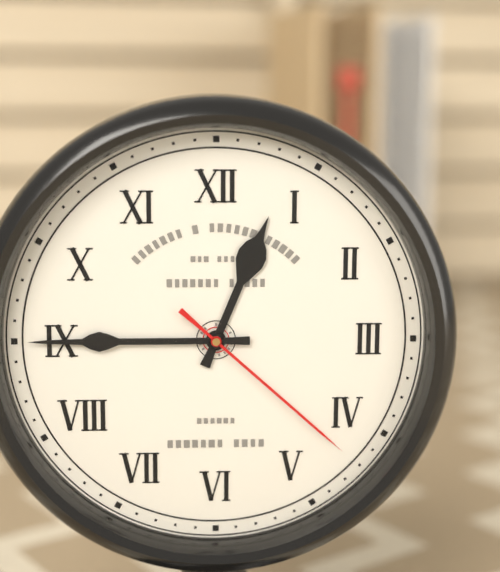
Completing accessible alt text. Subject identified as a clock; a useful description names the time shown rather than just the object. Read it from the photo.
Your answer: 12:45:22
